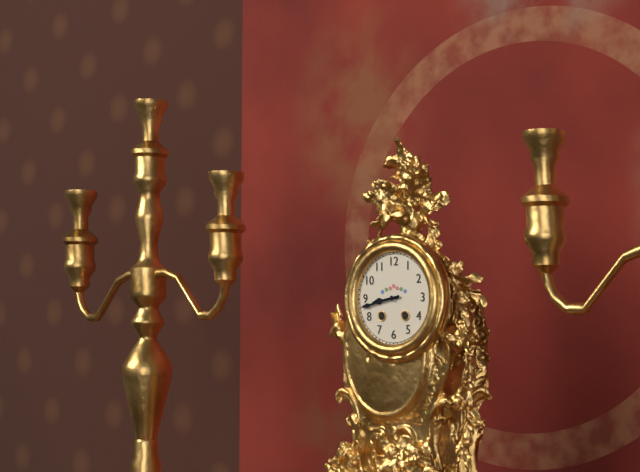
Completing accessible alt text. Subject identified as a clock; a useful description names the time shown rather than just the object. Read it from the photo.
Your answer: 8:43
